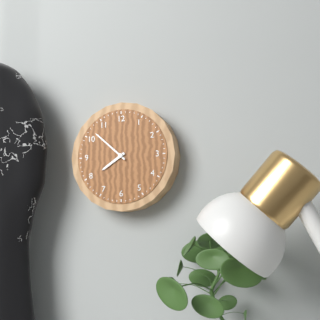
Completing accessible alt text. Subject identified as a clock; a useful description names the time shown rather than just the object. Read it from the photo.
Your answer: 7:52
